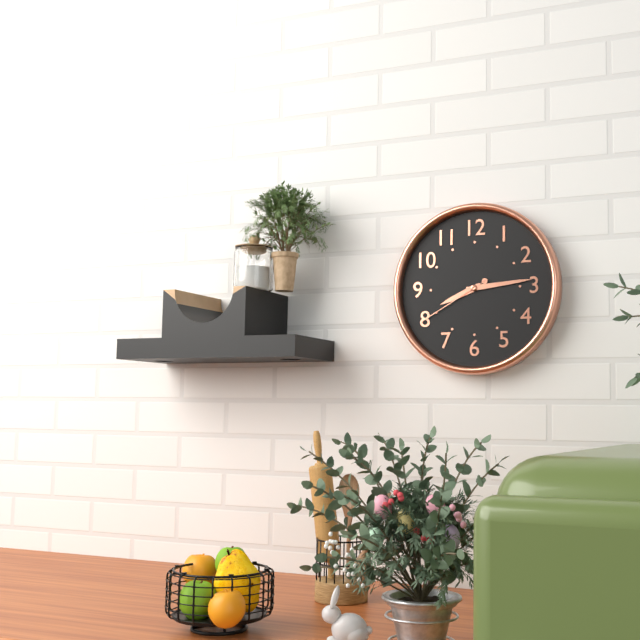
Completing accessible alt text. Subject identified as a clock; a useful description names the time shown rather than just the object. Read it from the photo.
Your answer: 8:14:40
